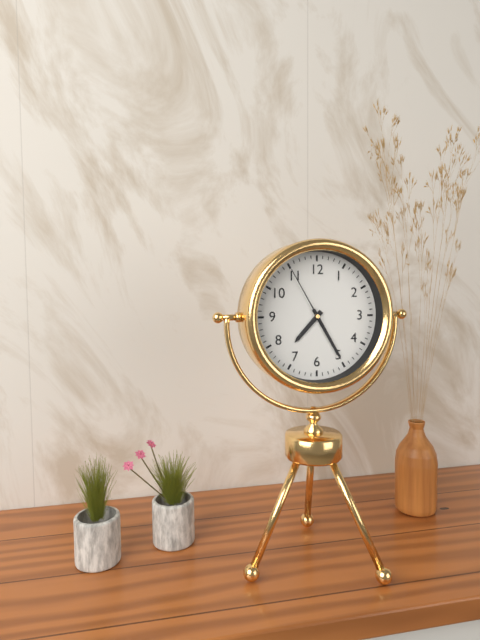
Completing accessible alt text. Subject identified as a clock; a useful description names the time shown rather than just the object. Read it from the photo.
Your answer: 7:25:55
